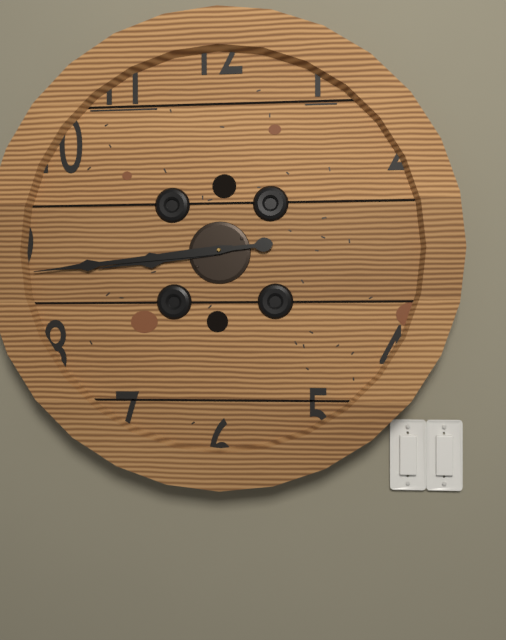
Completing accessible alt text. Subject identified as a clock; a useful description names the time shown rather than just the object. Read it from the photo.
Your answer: 8:44
